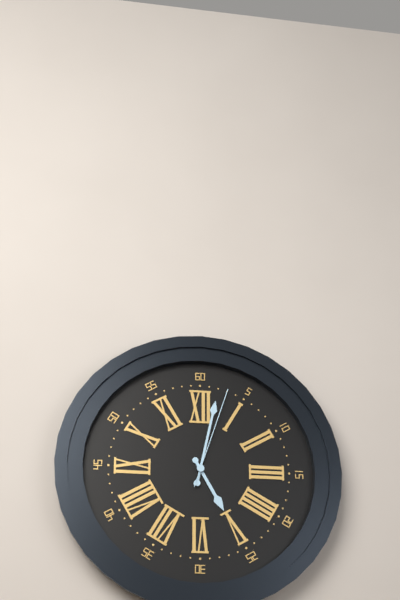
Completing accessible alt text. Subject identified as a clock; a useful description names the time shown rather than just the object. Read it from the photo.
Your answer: 5:02:03
